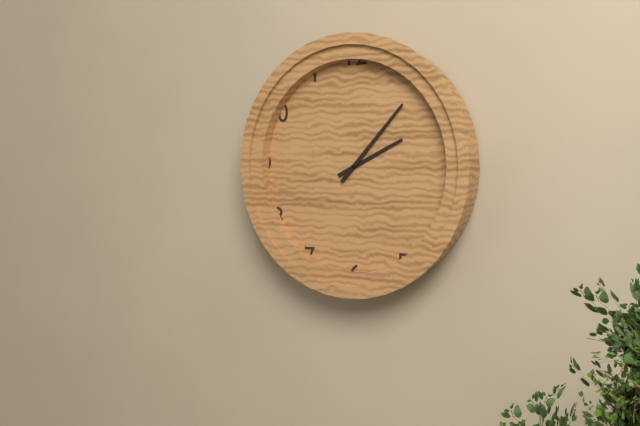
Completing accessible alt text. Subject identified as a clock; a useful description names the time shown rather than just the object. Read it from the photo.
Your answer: 2:07
